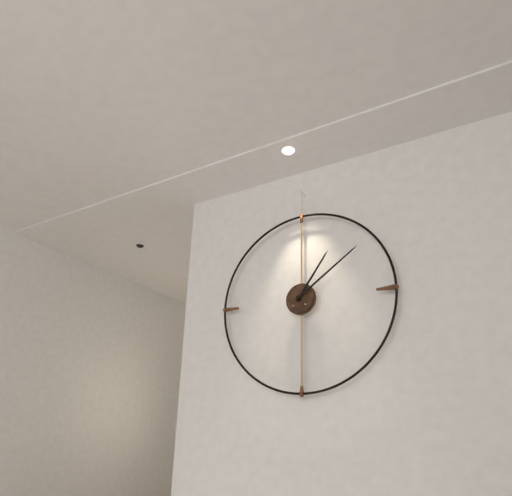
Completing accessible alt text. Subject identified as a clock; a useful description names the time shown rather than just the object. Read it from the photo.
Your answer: 1:09
